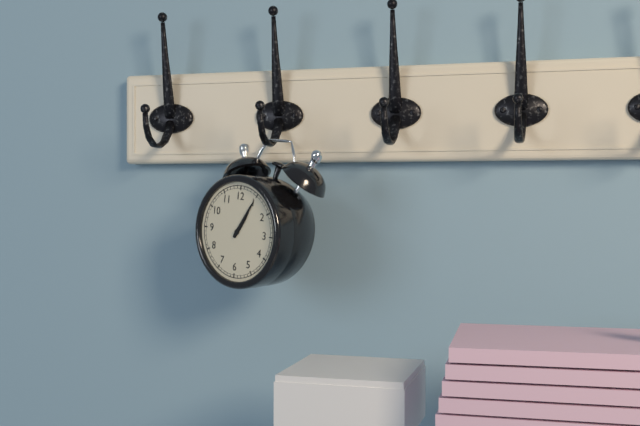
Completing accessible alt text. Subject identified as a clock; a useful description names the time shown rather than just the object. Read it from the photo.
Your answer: 1:05
